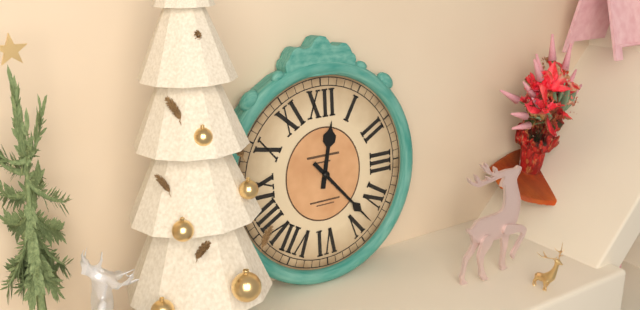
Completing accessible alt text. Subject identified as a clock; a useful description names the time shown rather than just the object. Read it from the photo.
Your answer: 12:23
